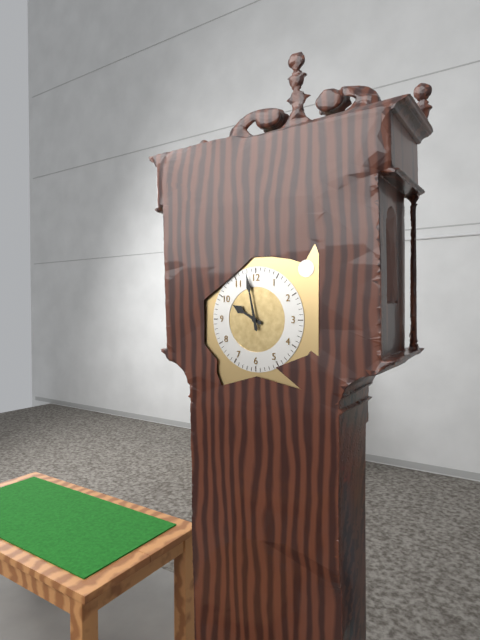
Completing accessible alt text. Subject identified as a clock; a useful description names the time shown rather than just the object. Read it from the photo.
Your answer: 9:58
